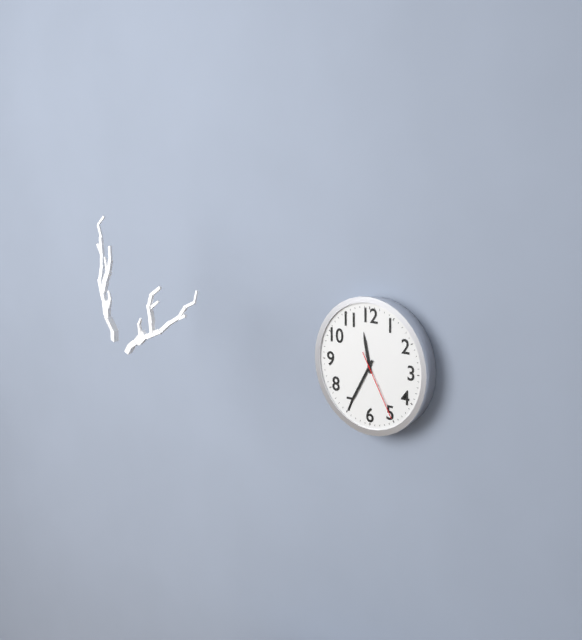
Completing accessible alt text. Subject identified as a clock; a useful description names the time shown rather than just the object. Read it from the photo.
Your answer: 11:35:25
